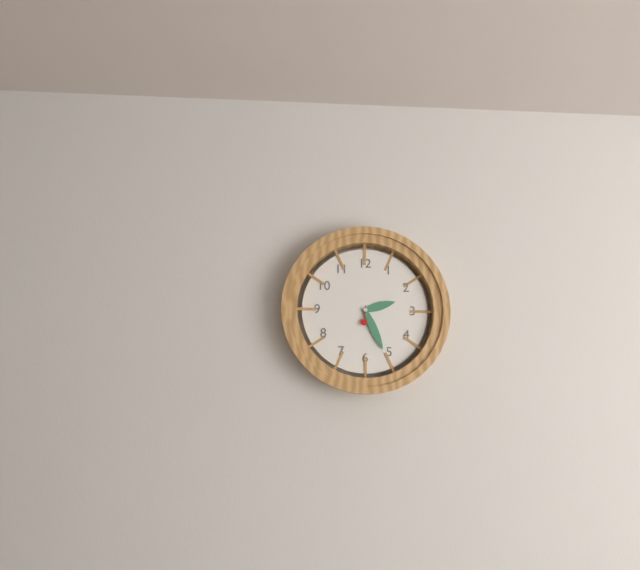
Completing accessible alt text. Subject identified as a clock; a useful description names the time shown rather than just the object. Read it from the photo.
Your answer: 2:26
